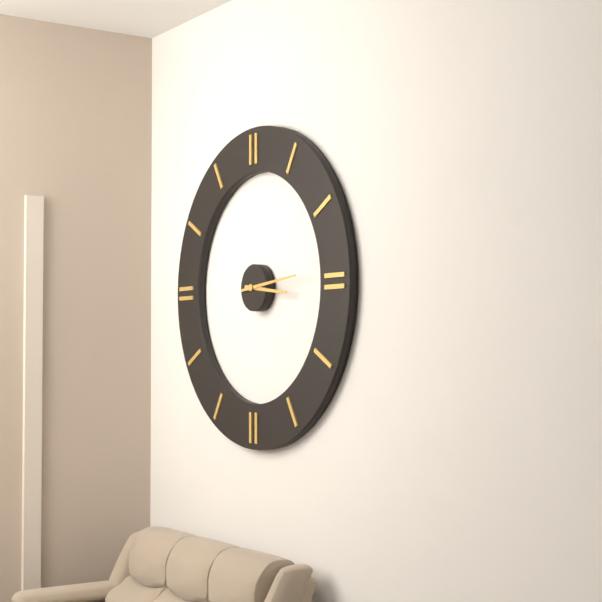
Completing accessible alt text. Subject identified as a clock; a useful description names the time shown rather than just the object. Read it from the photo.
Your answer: 3:14
